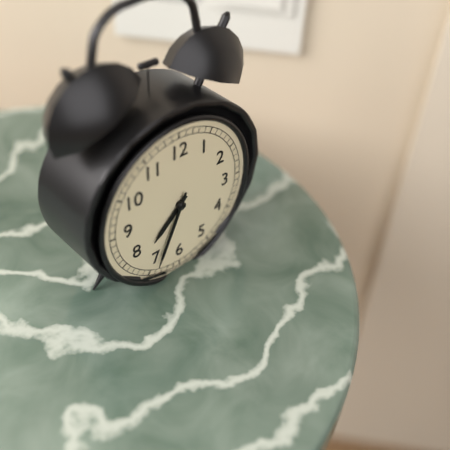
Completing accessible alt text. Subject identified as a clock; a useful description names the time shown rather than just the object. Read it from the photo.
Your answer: 7:34
